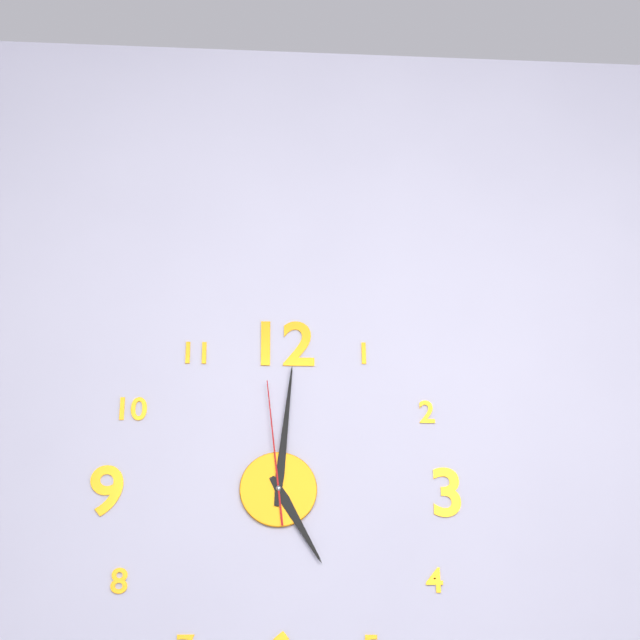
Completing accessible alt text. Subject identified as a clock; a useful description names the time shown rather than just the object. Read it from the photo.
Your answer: 5:01:59
